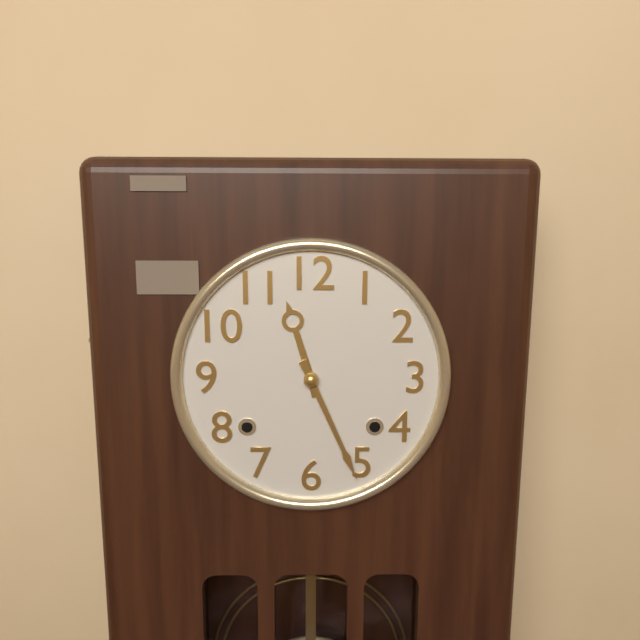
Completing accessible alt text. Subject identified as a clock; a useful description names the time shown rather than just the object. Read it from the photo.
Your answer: 11:26
